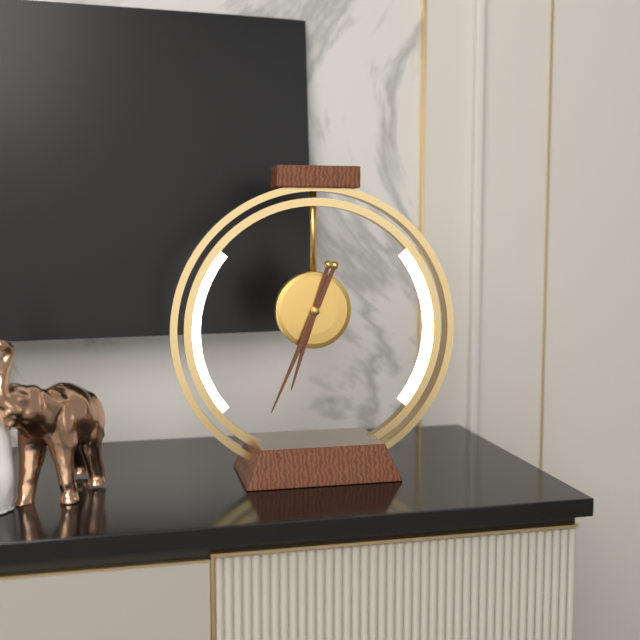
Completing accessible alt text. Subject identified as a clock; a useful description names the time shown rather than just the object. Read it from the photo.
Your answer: 6:34
